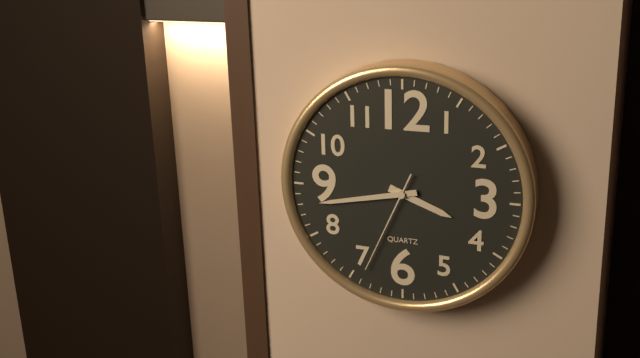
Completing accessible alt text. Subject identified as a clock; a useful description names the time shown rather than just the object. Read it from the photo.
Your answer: 3:43:34
